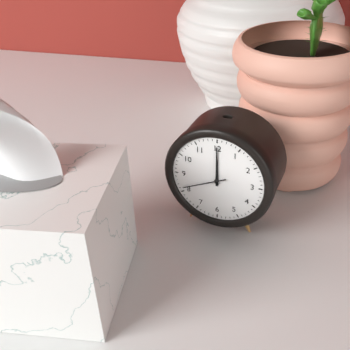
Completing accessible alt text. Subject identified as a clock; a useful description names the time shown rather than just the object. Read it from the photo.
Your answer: 12:00
